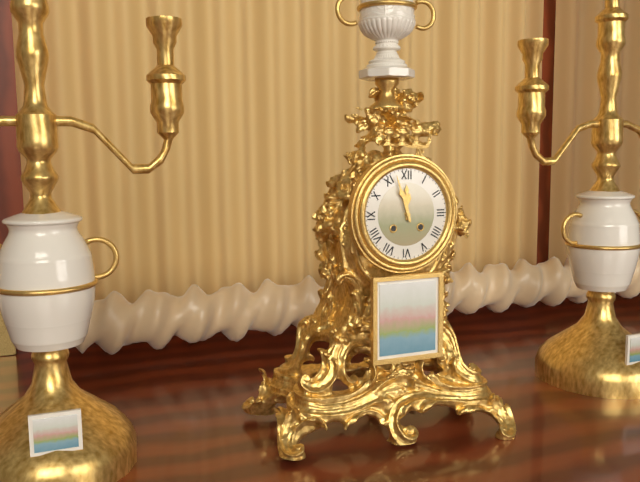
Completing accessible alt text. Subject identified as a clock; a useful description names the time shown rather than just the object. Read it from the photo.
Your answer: 11:57
